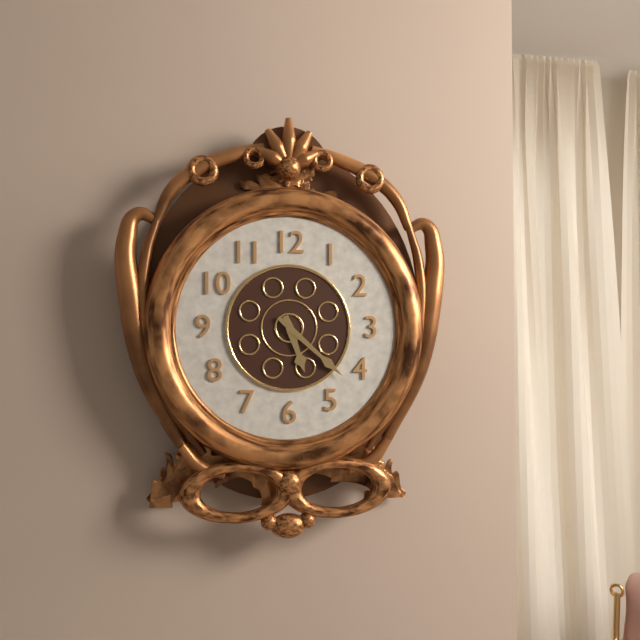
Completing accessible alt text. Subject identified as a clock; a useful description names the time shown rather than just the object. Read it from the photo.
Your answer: 5:22
